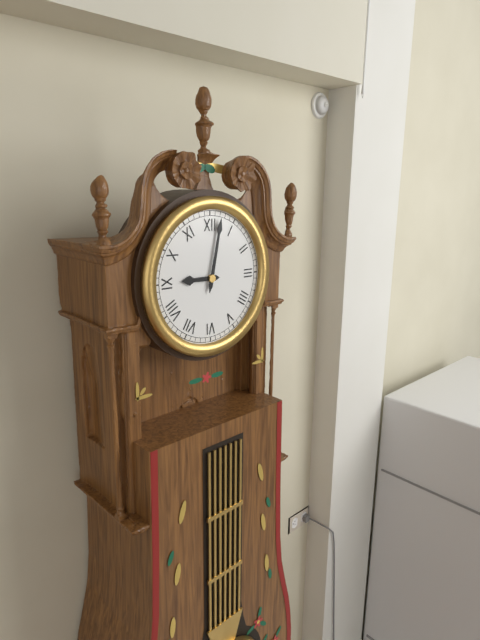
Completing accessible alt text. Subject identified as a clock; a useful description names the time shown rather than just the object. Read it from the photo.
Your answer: 9:02
